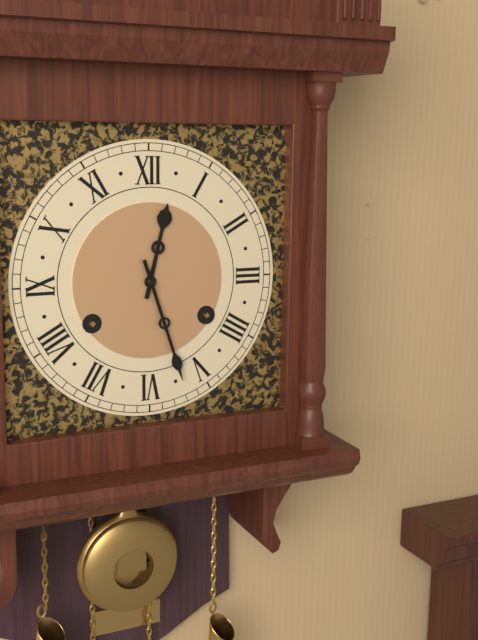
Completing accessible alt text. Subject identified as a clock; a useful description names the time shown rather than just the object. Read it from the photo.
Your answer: 12:27
